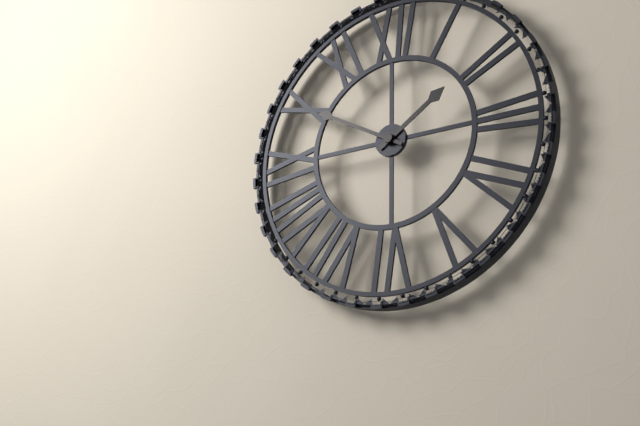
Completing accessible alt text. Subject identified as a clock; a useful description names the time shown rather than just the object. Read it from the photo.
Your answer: 1:50
